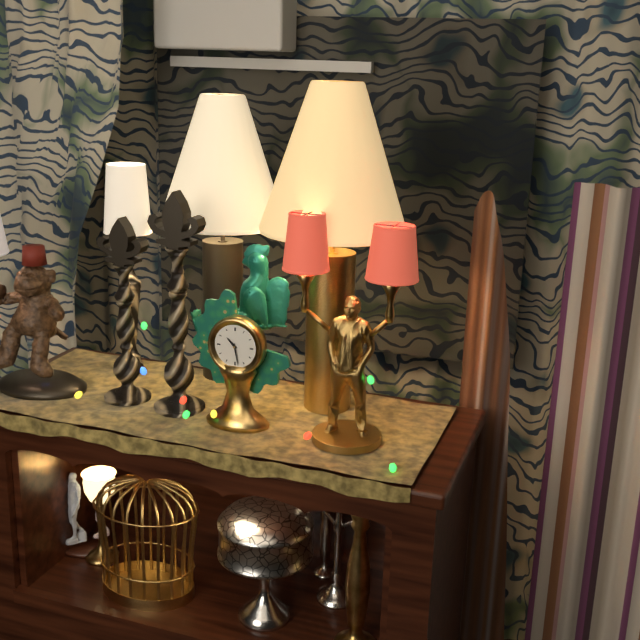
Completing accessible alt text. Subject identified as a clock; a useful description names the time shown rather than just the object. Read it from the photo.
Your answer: 10:28
